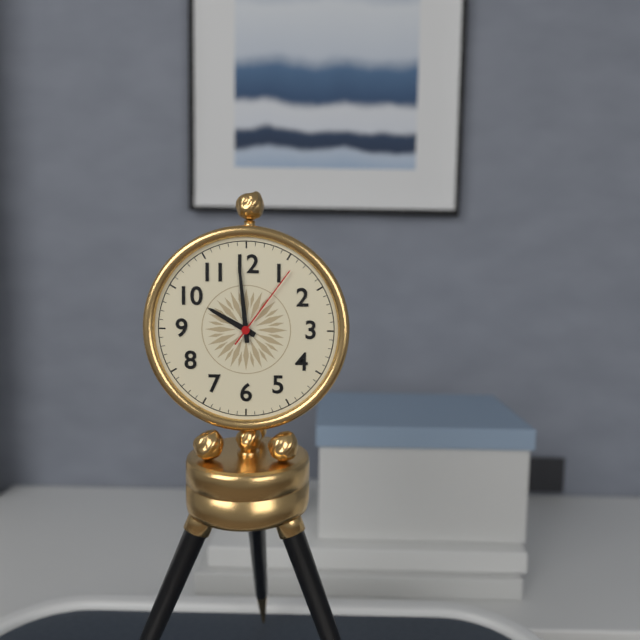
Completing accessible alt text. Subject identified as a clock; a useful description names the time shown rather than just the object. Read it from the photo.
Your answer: 9:59:06
